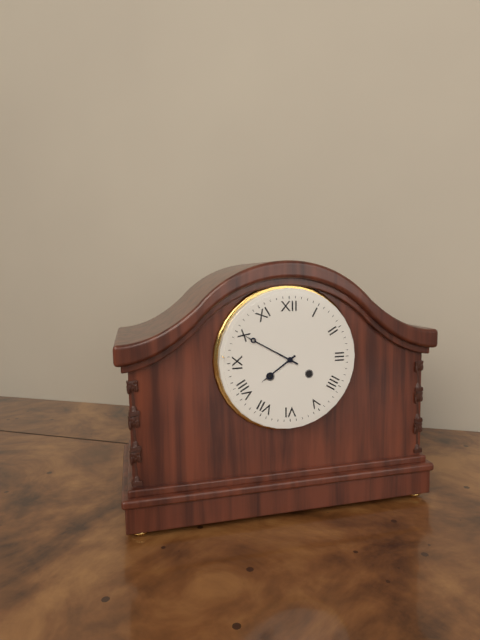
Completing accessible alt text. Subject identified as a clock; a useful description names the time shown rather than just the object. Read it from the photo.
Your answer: 7:50
